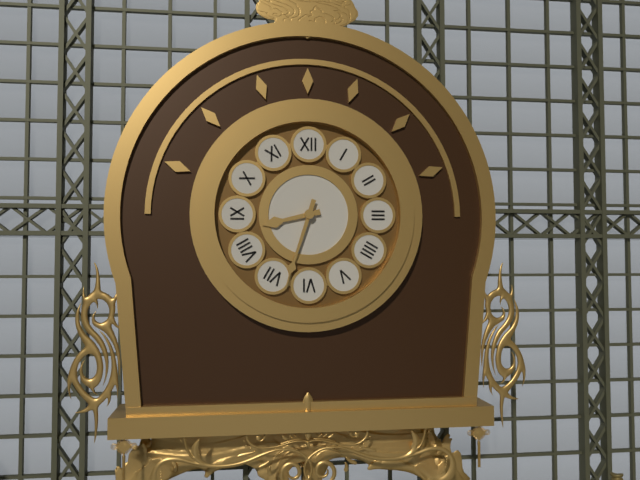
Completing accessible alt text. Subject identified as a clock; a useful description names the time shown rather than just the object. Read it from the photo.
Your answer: 8:33
